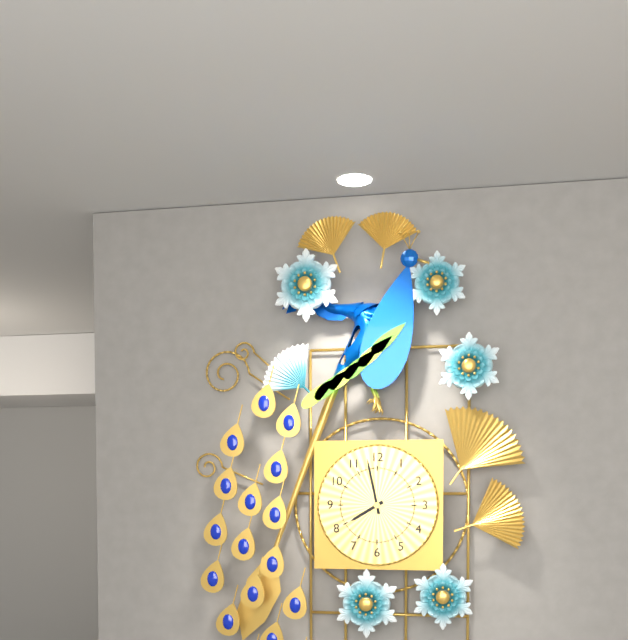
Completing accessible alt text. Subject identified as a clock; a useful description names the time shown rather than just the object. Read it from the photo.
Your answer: 7:58
